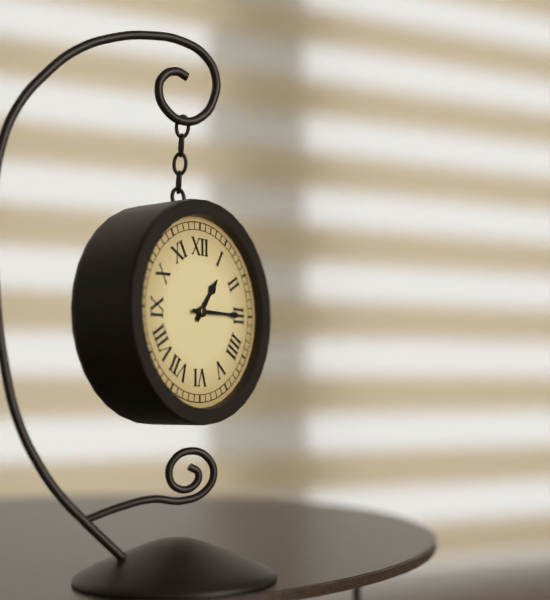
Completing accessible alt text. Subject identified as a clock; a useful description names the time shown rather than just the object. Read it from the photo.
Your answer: 1:15
